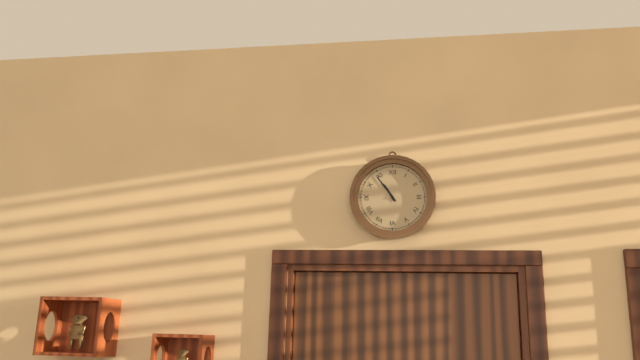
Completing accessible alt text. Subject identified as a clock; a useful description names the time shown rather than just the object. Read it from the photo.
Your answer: 10:54
